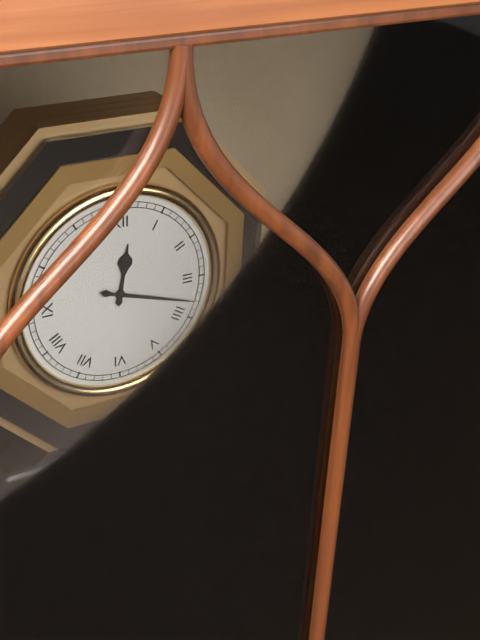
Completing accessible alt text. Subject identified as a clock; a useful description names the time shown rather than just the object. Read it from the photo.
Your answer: 12:18
